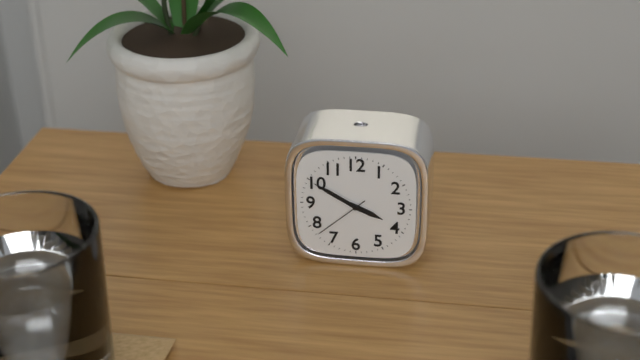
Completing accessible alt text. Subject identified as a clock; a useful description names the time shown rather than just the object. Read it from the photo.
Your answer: 3:50:38
